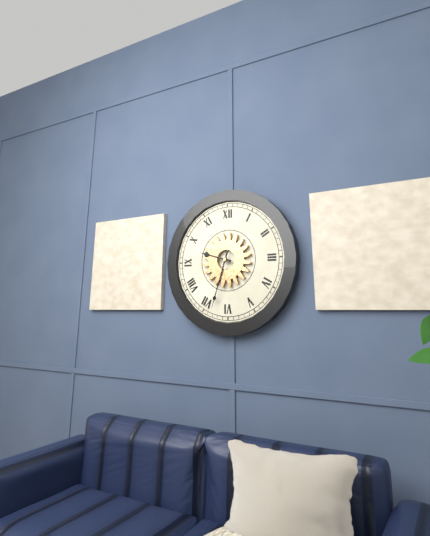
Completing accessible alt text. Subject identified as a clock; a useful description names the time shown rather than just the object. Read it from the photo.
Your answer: 9:33
